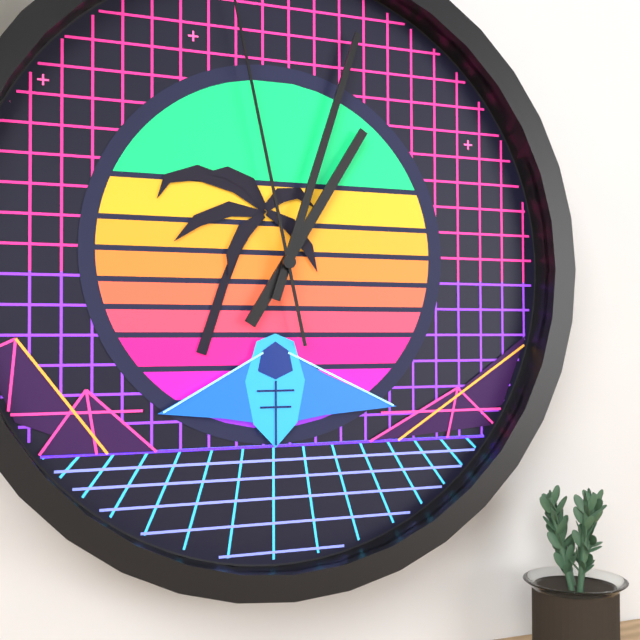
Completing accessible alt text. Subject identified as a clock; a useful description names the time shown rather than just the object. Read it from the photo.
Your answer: 1:03
